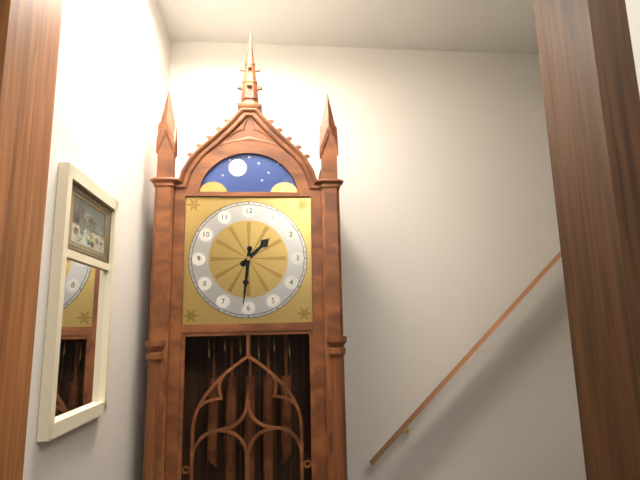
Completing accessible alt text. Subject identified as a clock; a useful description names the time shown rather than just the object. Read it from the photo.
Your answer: 1:31
